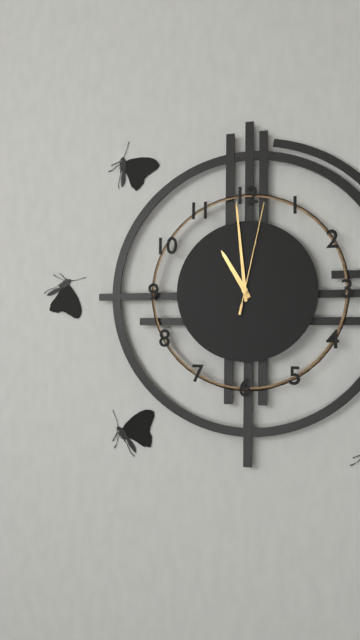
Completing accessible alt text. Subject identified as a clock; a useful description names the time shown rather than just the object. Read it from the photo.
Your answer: 10:59:02
